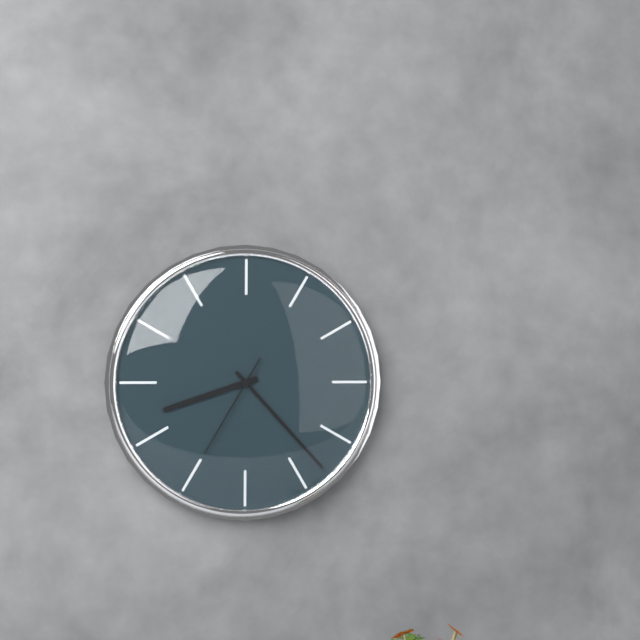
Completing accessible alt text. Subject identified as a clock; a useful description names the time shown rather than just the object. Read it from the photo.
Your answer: 8:23:35
